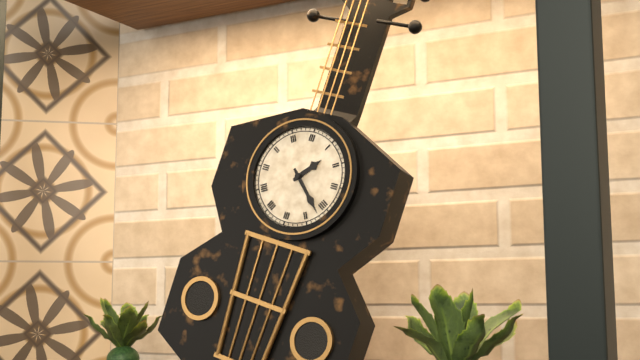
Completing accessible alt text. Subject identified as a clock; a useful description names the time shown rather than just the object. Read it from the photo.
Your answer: 1:22
